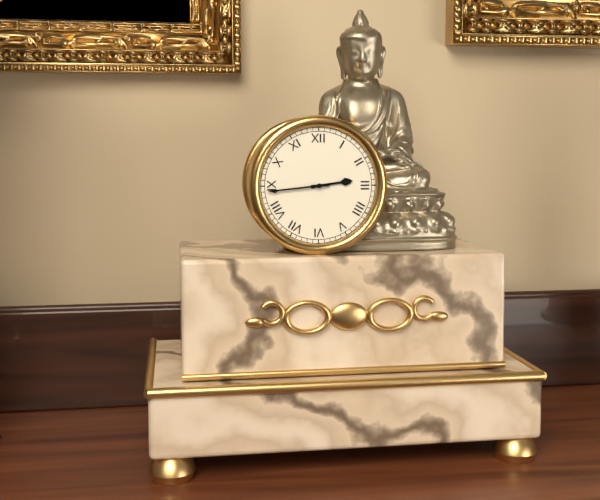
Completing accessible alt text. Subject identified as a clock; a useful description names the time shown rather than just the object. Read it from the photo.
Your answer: 2:44
